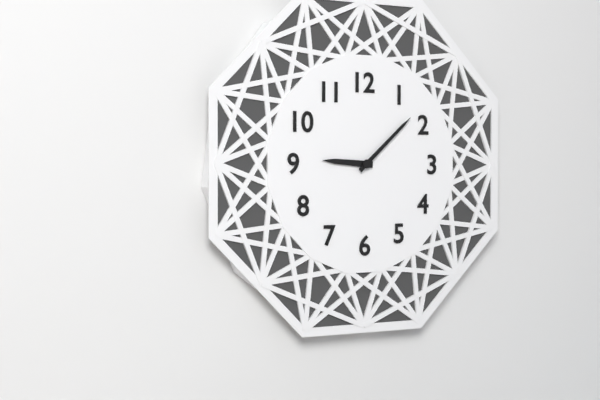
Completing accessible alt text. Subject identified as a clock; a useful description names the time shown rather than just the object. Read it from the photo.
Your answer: 9:08
